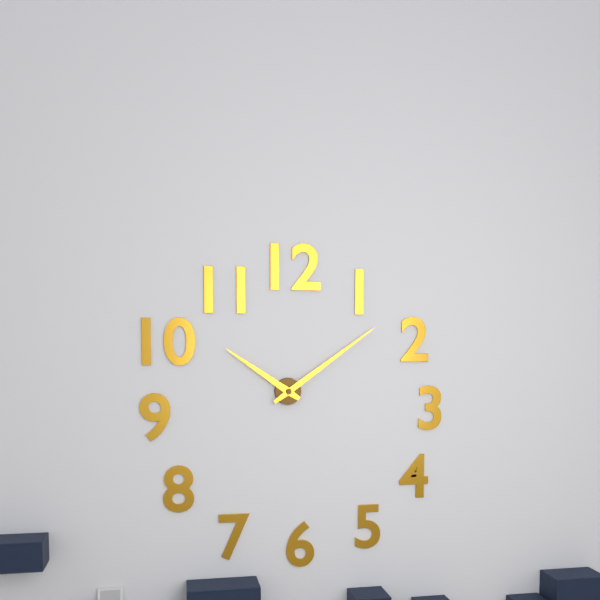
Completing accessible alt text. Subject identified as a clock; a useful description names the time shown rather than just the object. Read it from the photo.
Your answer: 10:09
